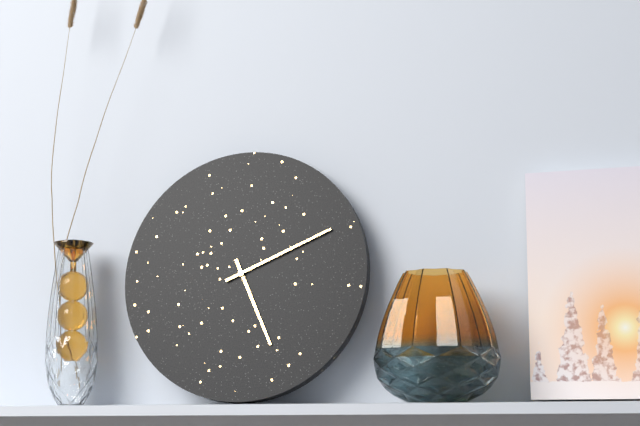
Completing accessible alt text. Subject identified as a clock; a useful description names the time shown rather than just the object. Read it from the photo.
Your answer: 5:11
